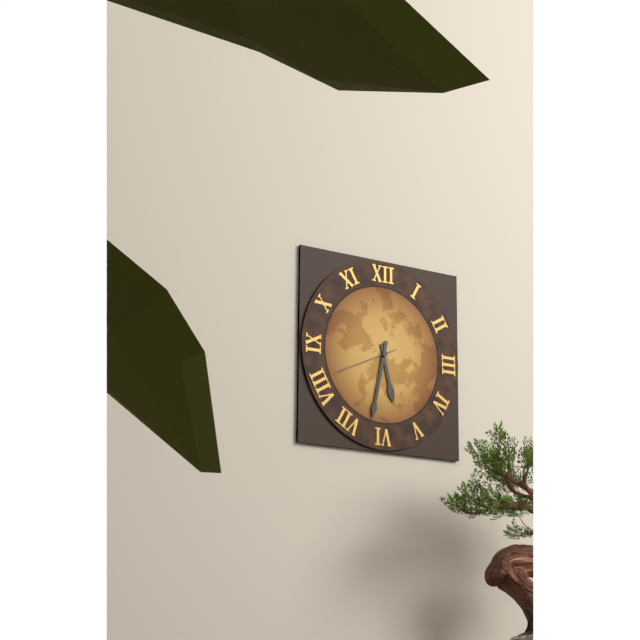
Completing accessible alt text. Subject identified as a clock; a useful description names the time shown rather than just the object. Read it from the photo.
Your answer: 5:32:41
